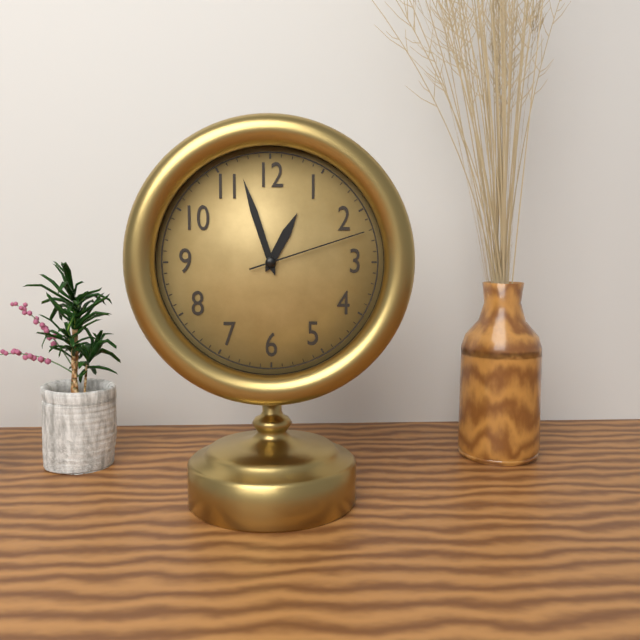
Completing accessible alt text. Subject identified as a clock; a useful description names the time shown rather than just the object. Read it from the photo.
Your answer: 12:57:12
